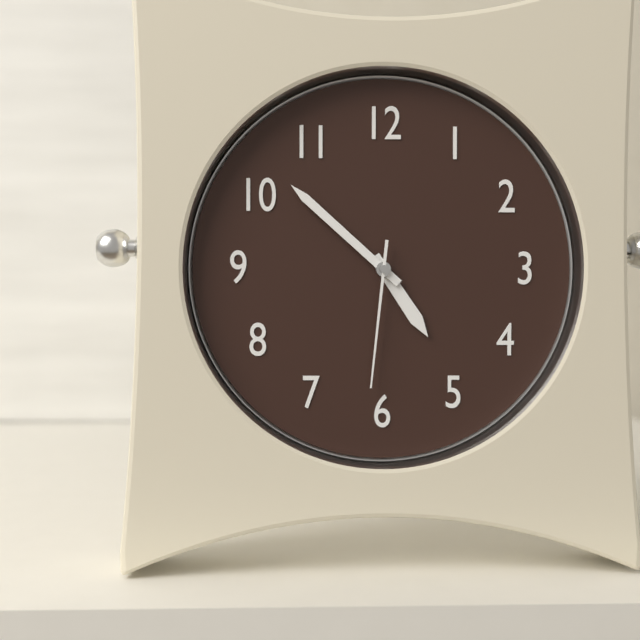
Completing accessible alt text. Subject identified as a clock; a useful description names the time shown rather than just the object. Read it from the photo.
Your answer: 4:52:31
